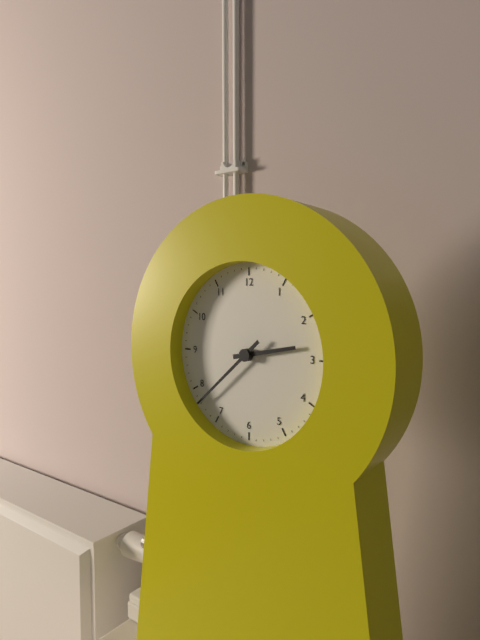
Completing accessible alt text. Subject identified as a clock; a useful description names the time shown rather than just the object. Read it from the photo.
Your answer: 2:38
